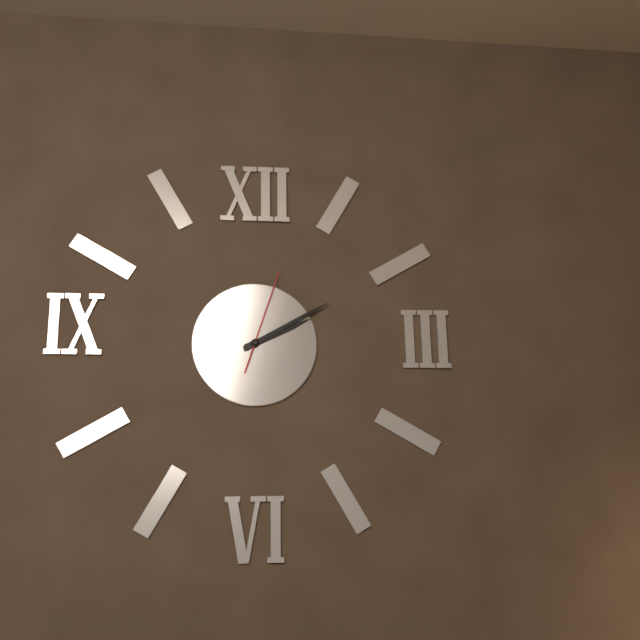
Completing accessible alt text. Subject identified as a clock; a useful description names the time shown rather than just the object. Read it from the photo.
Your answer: 2:10:03
